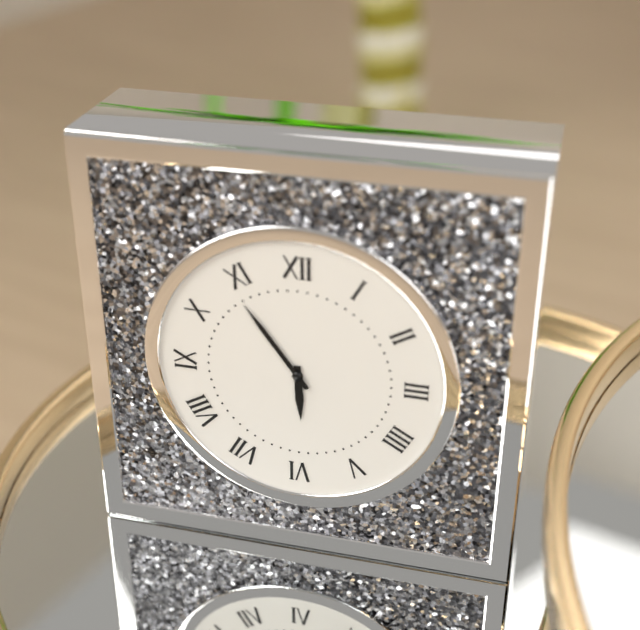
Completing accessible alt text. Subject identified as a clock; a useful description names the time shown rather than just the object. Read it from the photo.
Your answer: 5:54
